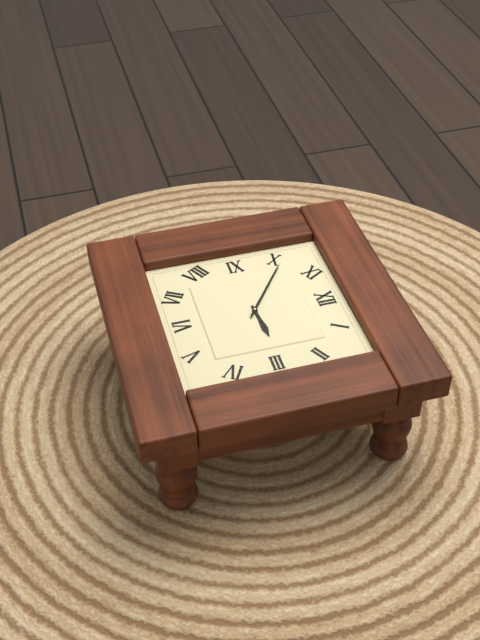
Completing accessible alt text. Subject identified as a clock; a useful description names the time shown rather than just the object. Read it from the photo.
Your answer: 2:51
